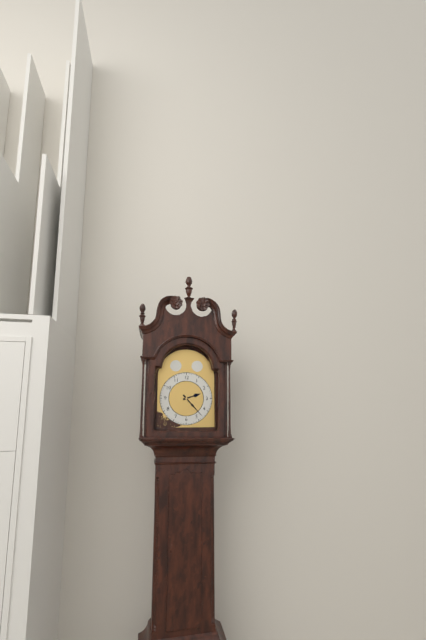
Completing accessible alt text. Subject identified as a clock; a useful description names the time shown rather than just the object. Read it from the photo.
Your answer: 2:23
